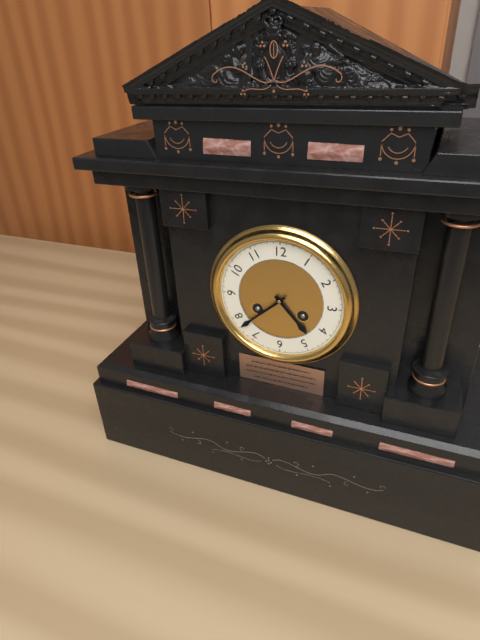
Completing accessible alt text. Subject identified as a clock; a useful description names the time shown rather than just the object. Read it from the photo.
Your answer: 4:38
